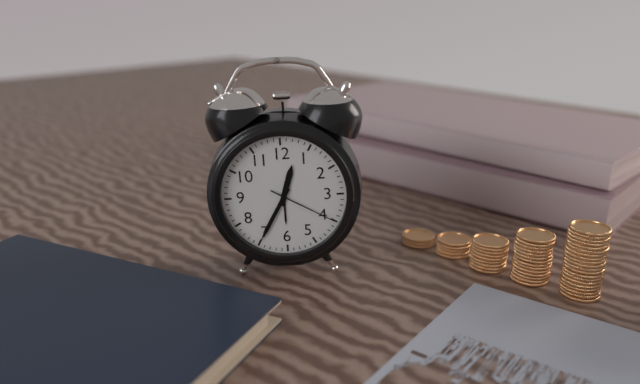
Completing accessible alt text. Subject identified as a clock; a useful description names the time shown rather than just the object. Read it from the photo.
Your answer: 12:35:20
